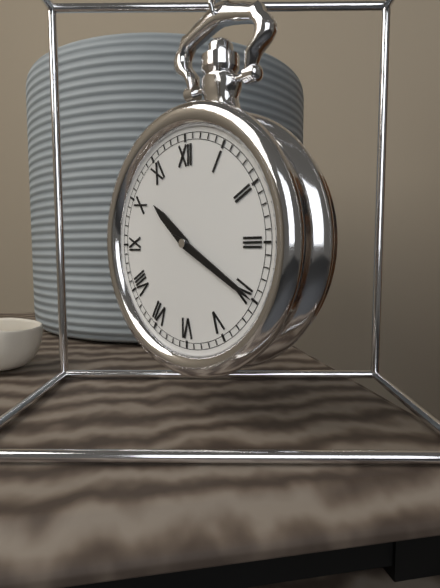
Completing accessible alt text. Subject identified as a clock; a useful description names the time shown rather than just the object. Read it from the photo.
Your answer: 10:20
